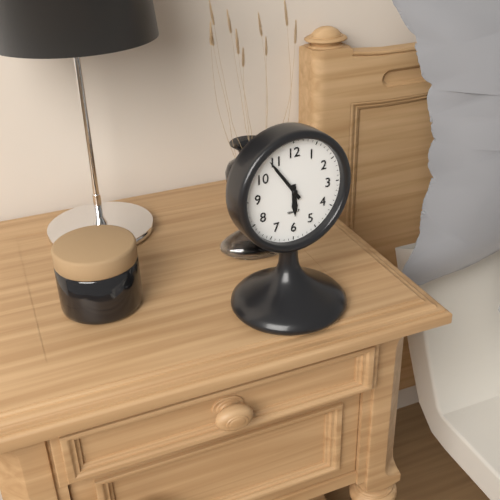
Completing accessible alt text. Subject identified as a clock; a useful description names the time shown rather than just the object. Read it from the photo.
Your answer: 5:54
